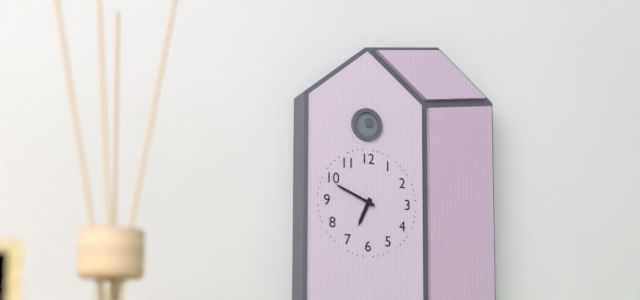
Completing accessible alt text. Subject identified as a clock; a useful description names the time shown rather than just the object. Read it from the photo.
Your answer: 6:49
